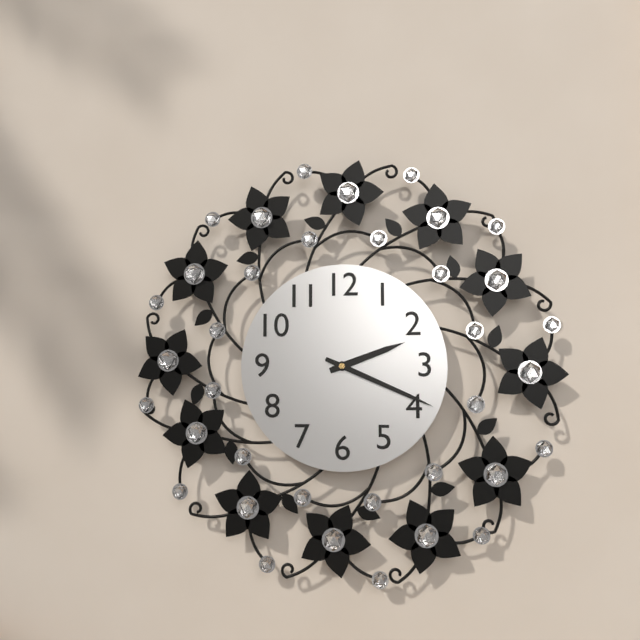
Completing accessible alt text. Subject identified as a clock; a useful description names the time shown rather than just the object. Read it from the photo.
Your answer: 2:19
